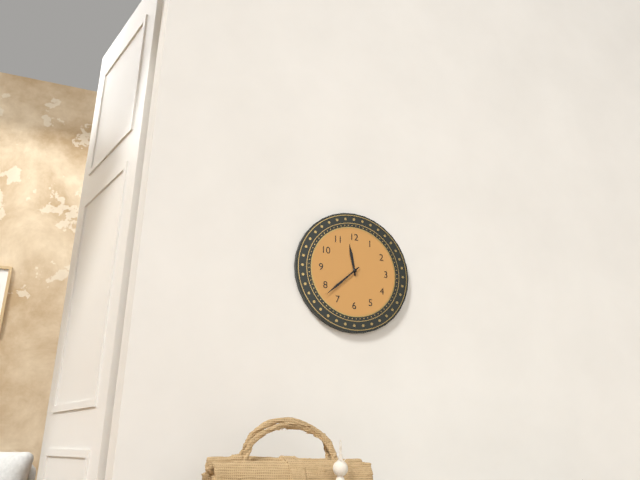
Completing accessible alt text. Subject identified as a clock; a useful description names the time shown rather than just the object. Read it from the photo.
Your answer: 11:38
